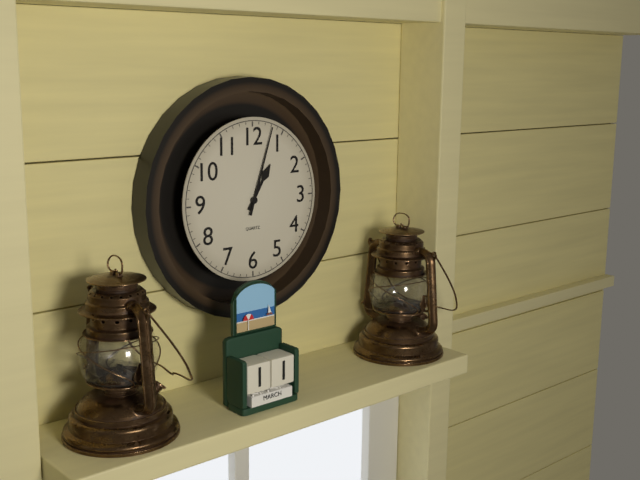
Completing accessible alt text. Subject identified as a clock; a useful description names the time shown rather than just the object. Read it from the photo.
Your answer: 1:03
